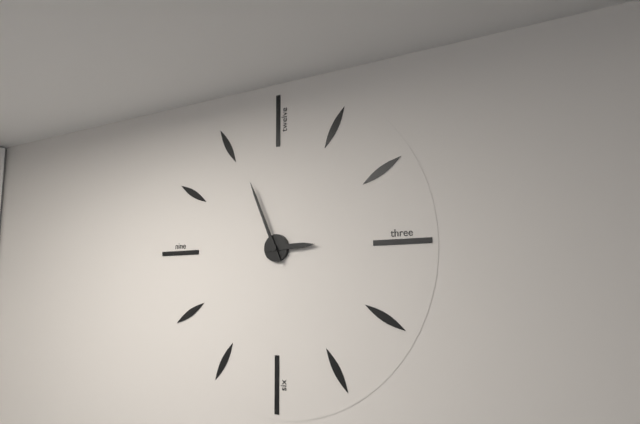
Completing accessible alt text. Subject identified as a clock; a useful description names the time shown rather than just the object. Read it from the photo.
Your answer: 2:56
